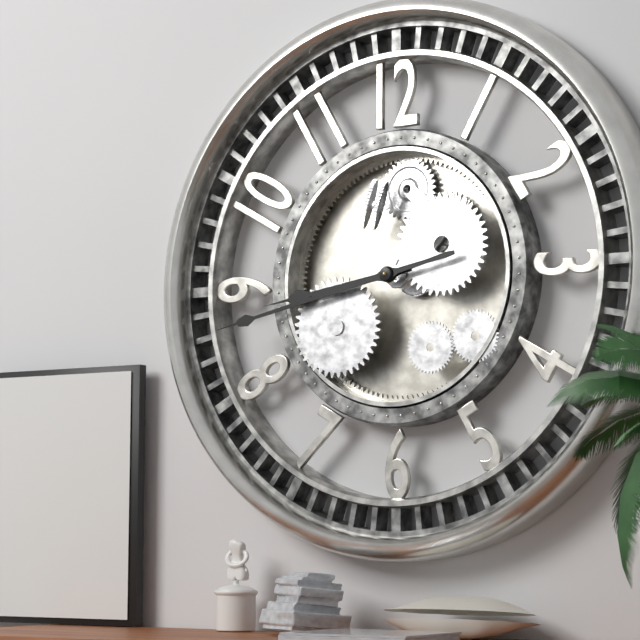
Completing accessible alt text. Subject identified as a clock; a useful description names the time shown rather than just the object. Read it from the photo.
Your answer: 8:43
